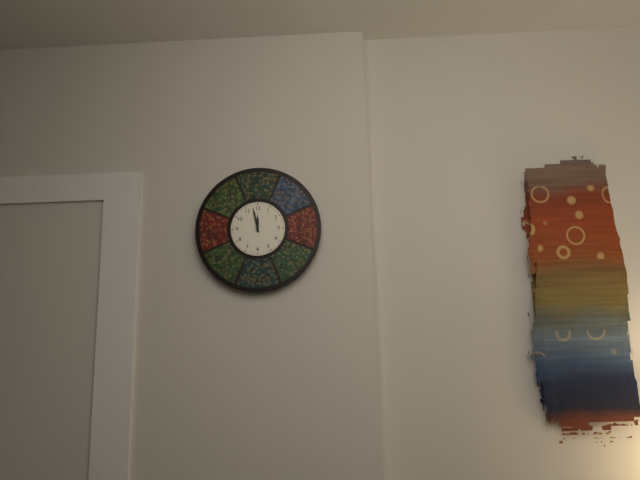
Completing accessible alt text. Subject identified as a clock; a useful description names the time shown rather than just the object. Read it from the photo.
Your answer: 11:58
